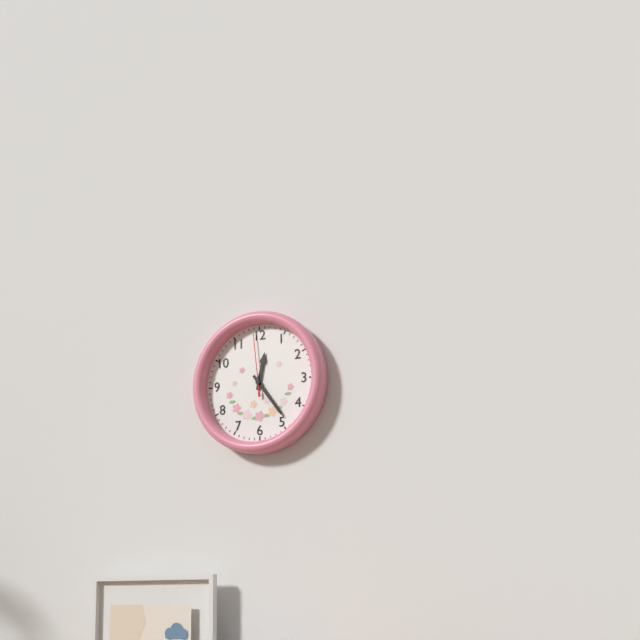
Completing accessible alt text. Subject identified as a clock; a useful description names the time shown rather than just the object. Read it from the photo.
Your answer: 12:24:59
